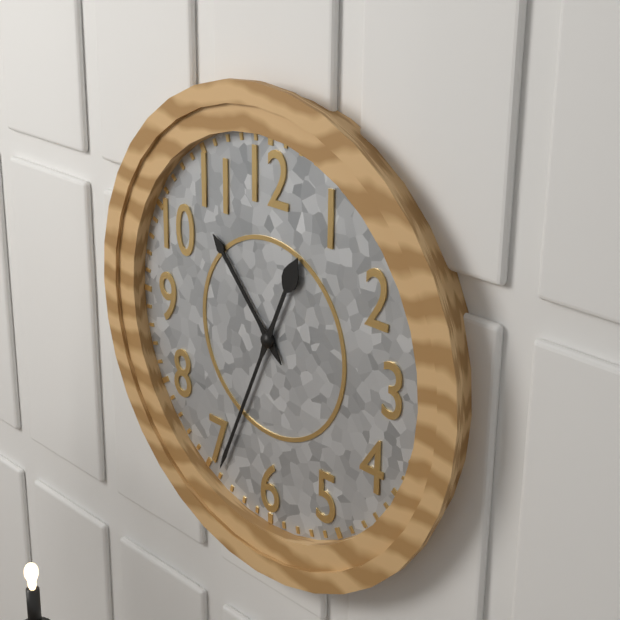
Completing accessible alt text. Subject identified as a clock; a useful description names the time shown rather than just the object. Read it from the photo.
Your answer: 10:34
